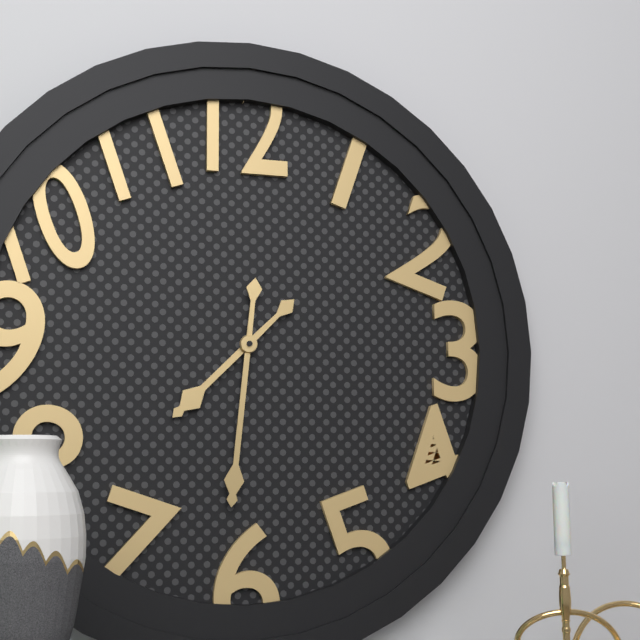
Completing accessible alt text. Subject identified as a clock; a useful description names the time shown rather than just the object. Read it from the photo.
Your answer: 7:31
